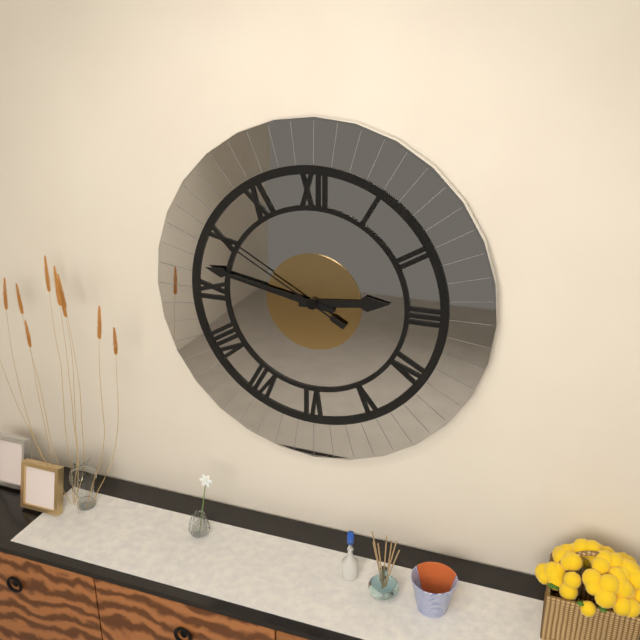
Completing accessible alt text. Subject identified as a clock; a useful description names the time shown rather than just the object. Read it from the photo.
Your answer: 2:47:50
